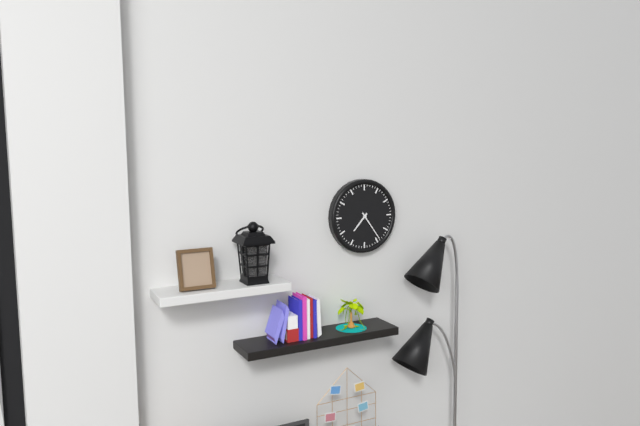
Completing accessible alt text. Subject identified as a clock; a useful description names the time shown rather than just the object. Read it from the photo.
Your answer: 7:24
